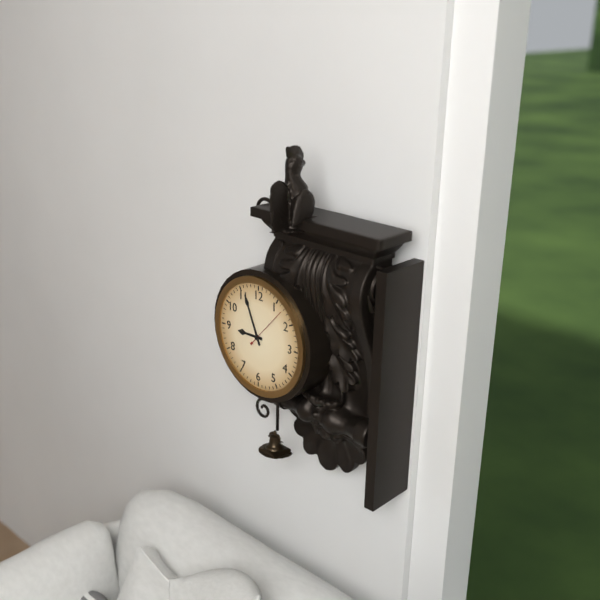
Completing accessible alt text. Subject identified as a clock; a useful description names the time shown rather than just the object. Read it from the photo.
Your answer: 8:56
